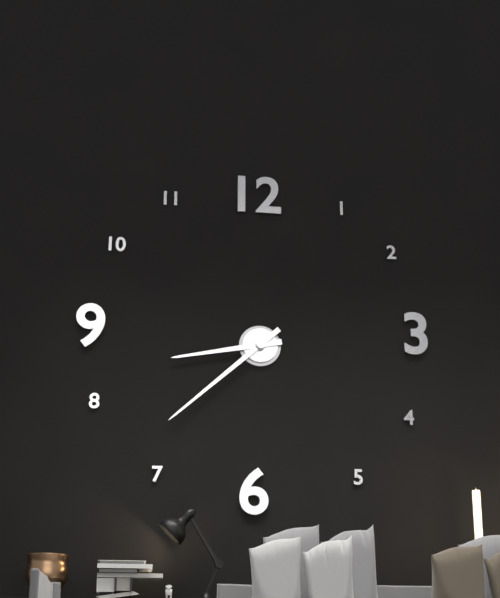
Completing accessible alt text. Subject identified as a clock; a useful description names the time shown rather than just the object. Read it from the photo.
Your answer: 8:38
